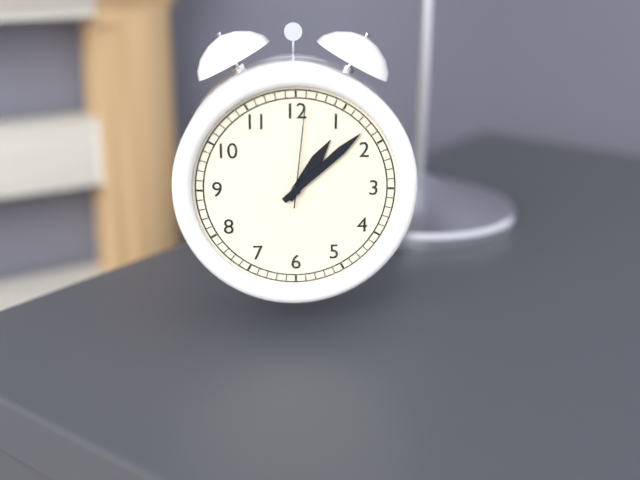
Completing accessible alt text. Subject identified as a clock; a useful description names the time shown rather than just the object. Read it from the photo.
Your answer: 1:08:01
